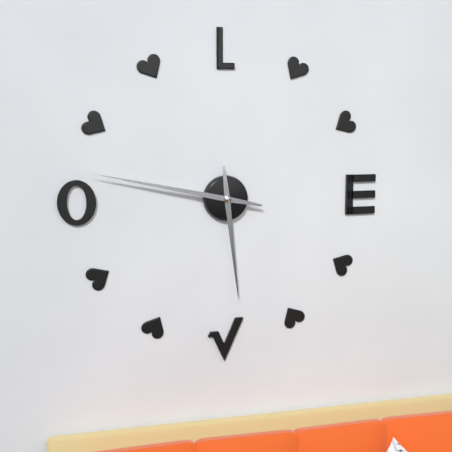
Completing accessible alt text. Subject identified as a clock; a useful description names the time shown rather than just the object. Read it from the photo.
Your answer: 5:47
